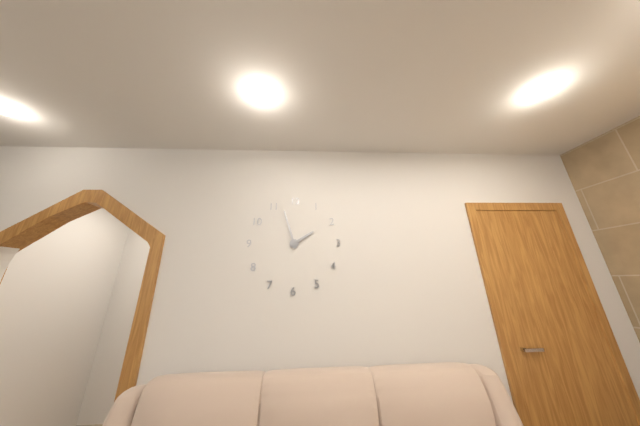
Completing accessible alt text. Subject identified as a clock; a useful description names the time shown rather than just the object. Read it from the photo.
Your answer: 1:57
